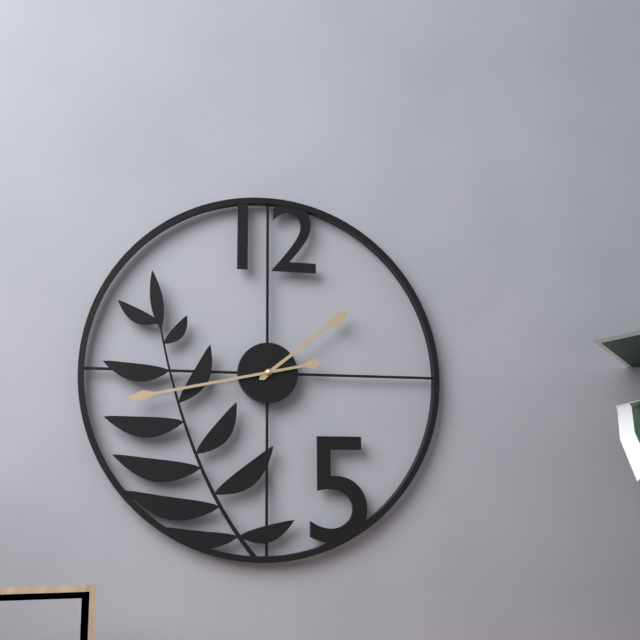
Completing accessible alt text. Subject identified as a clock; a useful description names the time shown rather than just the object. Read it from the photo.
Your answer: 1:43
